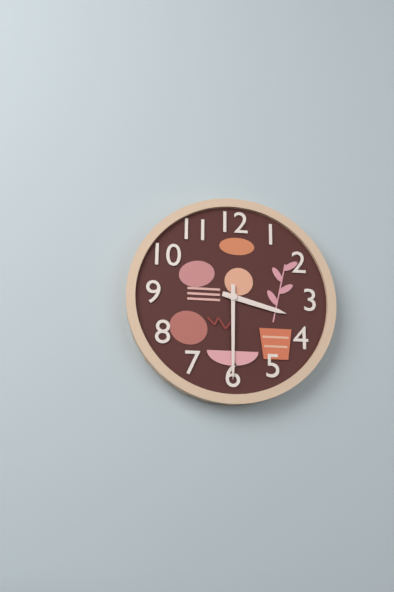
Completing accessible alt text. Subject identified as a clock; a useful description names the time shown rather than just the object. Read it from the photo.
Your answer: 3:30
